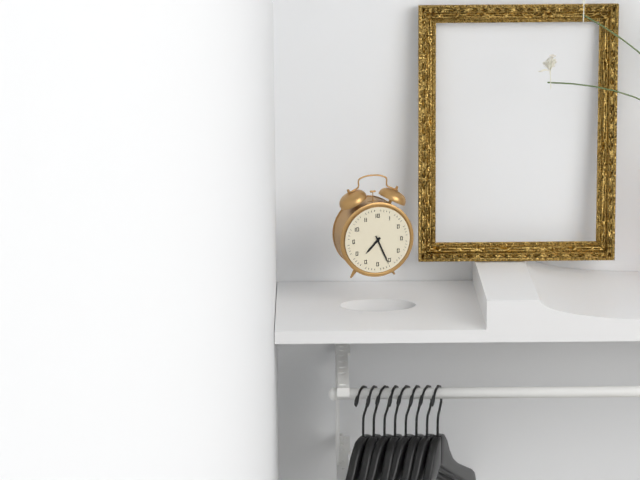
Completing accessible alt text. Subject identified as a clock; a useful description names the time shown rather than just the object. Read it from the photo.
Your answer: 7:26
